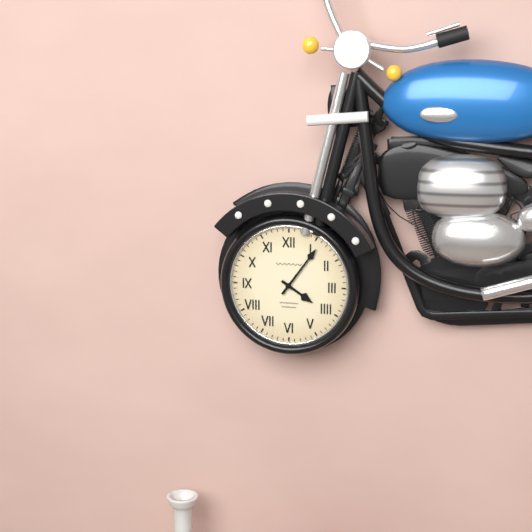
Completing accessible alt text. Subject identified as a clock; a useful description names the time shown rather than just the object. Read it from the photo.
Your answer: 4:06
